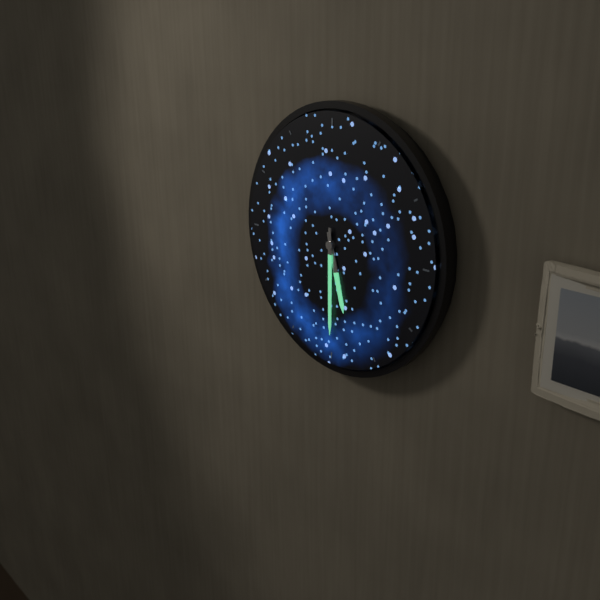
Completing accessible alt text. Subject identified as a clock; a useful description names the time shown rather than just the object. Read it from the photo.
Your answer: 5:30
